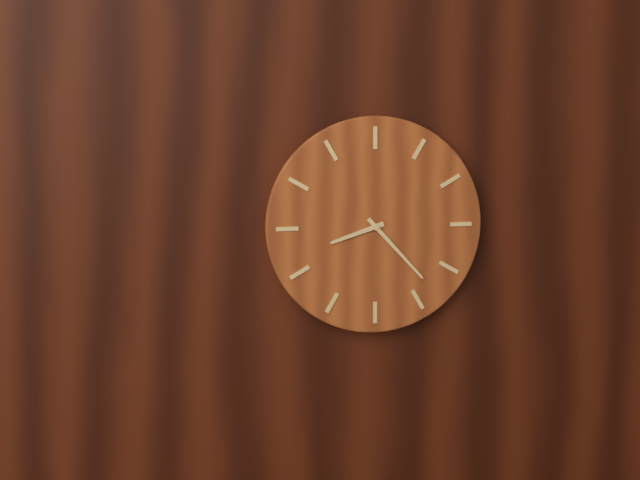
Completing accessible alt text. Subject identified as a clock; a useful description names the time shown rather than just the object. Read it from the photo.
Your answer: 8:23
